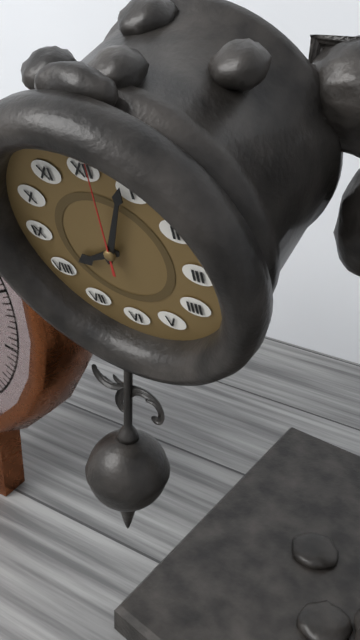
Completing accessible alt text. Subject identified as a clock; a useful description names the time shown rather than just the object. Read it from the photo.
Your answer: 8:04:01
